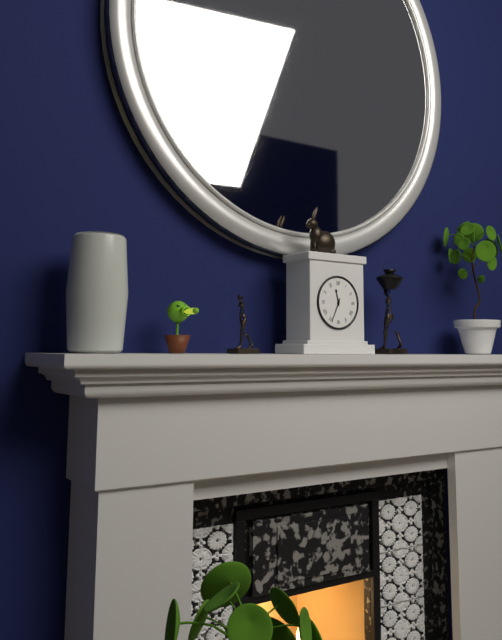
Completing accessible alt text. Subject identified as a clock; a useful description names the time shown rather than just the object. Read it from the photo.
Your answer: 11:34
